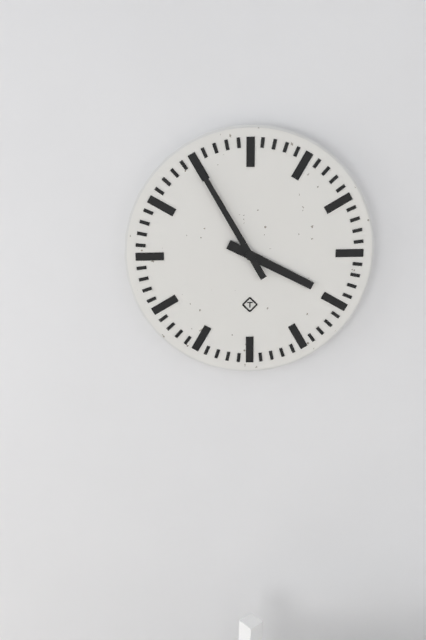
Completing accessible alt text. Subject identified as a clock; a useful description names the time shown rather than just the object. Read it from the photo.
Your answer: 3:55
